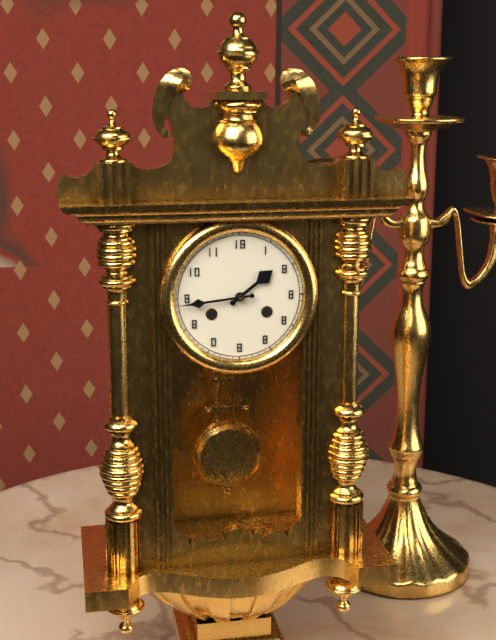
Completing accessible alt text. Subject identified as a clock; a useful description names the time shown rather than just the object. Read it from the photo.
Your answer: 1:44
